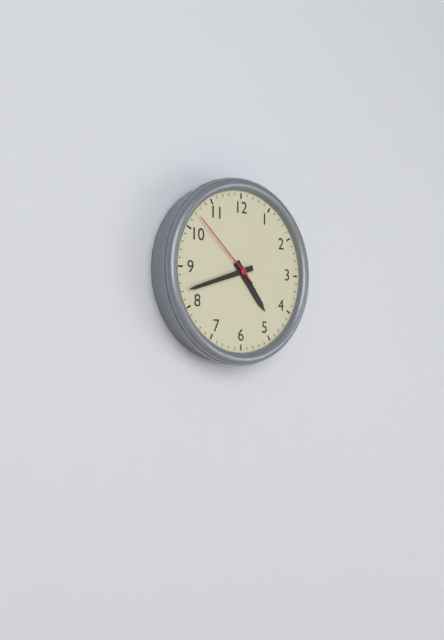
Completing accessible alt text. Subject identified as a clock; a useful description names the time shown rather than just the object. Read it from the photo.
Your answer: 4:42:52
